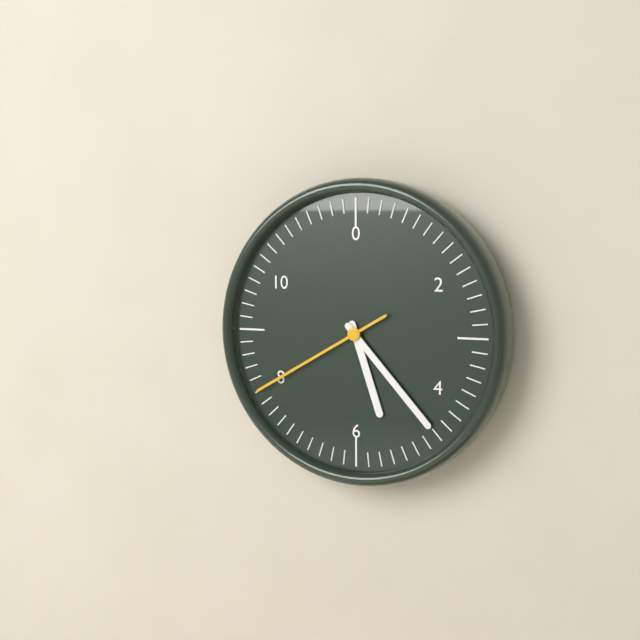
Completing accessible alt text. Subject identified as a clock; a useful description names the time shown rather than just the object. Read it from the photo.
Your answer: 5:23:40
